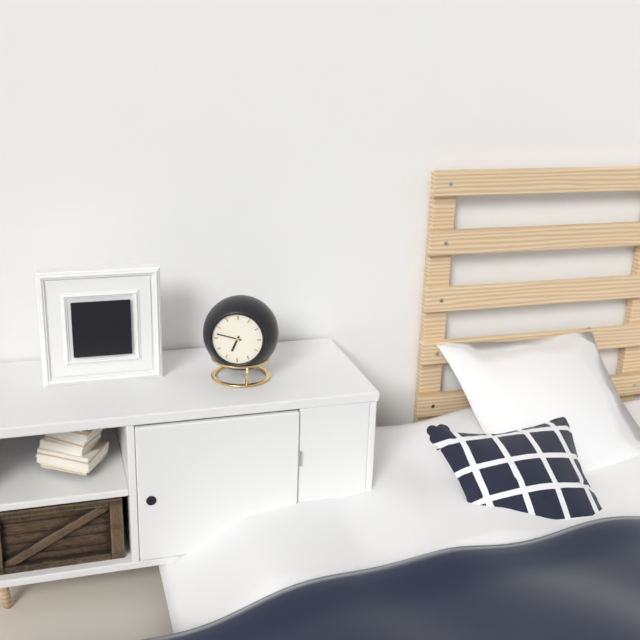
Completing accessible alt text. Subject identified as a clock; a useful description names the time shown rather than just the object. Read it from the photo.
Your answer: 6:47
